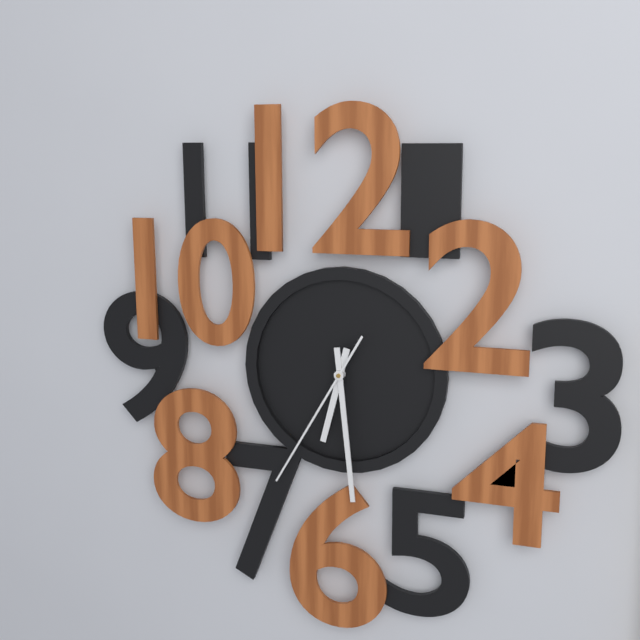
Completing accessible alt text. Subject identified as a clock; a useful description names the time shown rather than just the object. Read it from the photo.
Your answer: 6:29:35
